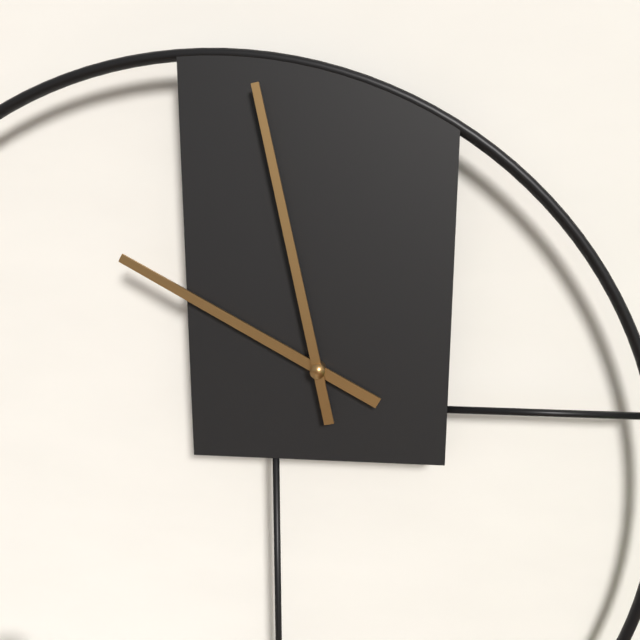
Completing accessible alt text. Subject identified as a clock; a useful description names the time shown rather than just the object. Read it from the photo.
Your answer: 9:58
